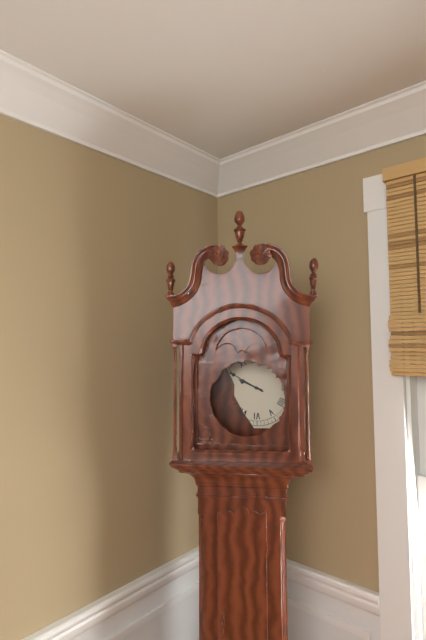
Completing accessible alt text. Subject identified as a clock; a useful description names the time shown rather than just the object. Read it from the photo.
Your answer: 9:50
